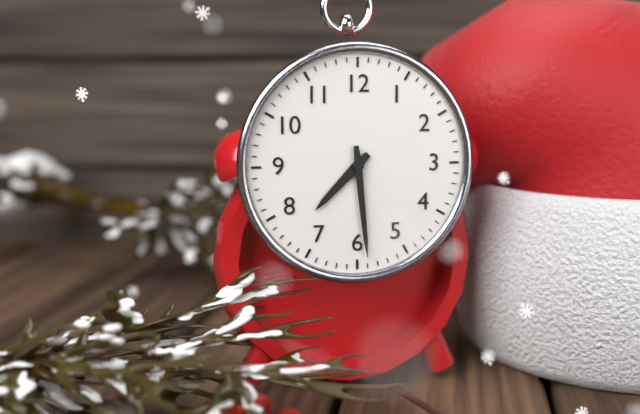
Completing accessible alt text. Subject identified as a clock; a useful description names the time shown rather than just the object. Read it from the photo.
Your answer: 7:29
